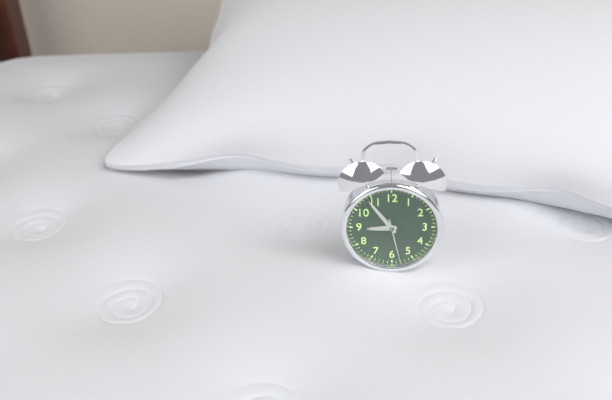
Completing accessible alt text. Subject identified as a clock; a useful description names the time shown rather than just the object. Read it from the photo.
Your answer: 8:54
